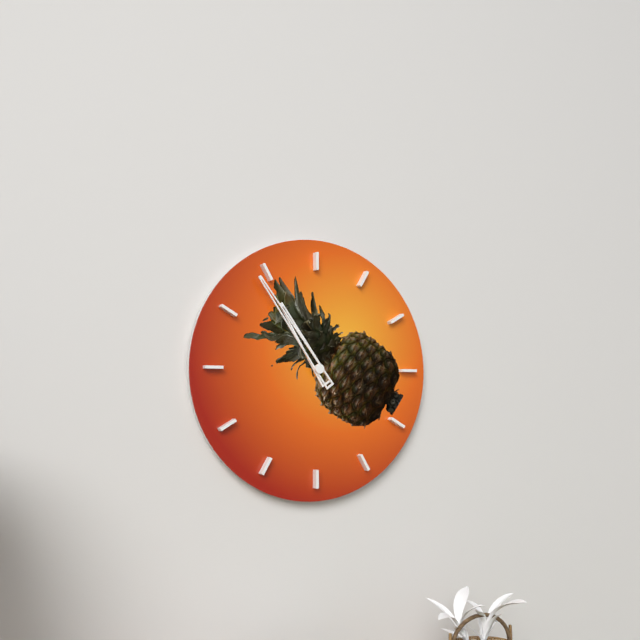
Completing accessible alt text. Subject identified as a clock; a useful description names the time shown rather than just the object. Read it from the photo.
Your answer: 10:54
